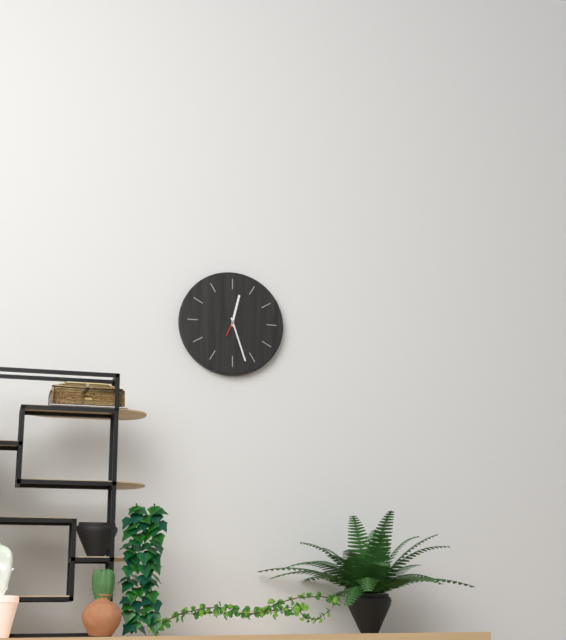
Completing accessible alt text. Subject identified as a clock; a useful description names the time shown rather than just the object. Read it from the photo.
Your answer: 12:27
